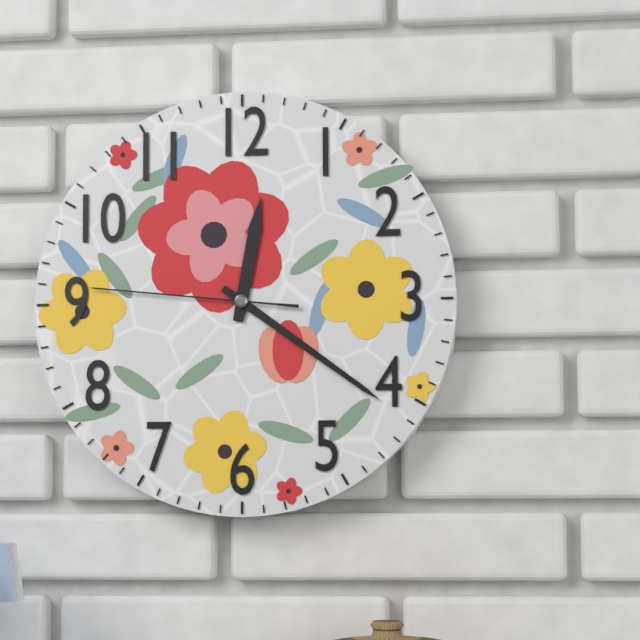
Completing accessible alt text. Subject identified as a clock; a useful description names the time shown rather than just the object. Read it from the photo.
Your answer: 12:21:46
